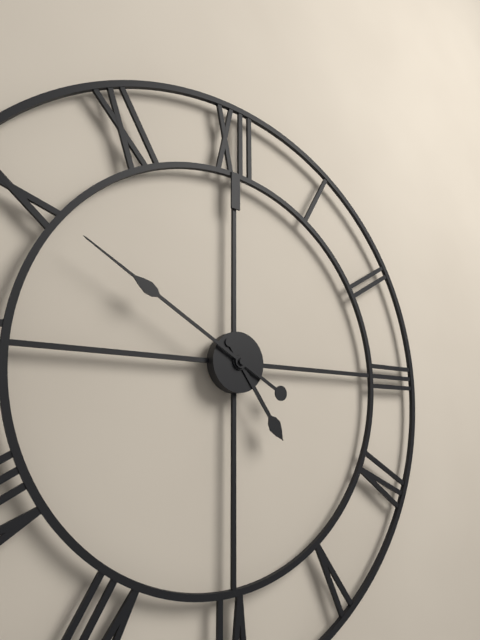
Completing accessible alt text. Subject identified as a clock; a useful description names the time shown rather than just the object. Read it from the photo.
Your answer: 4:50
